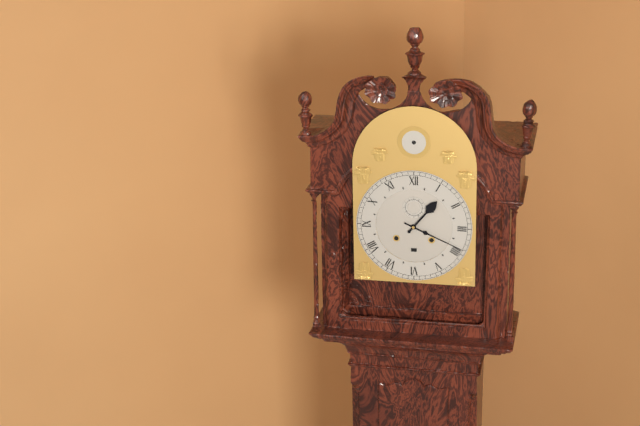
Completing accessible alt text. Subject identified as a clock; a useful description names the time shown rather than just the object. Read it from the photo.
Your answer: 1:19
